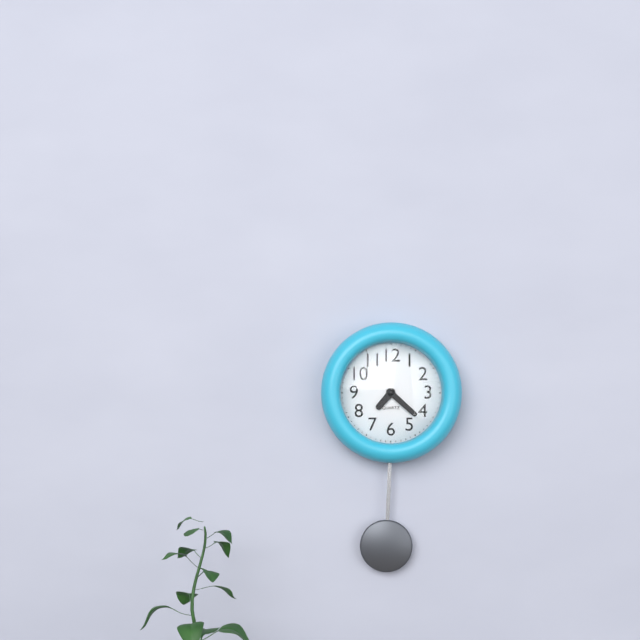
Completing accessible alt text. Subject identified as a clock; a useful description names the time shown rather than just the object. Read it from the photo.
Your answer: 7:22
